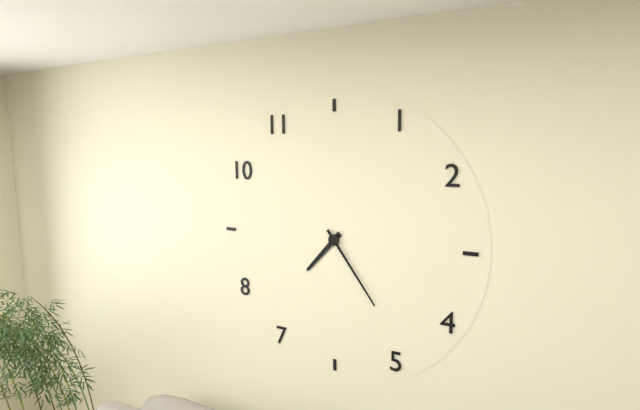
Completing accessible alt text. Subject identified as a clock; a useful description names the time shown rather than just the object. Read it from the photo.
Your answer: 7:24
